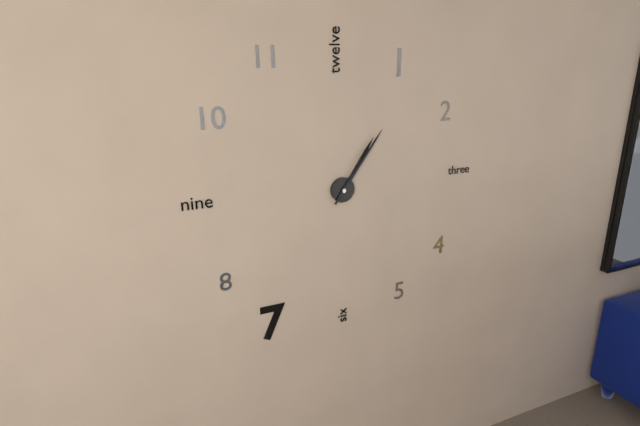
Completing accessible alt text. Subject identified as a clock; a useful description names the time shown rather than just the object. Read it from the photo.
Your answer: 1:06
